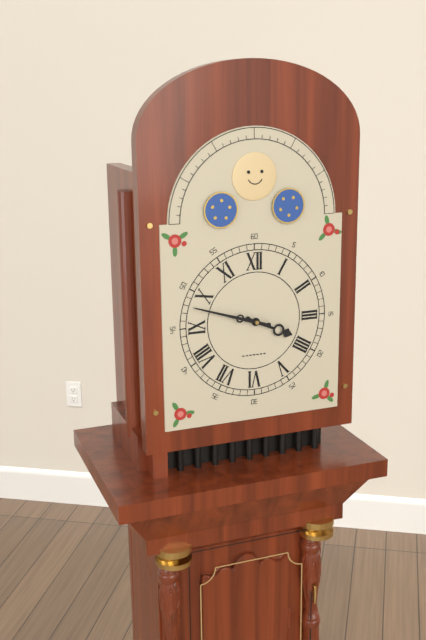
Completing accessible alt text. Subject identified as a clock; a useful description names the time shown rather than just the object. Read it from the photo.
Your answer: 3:48
